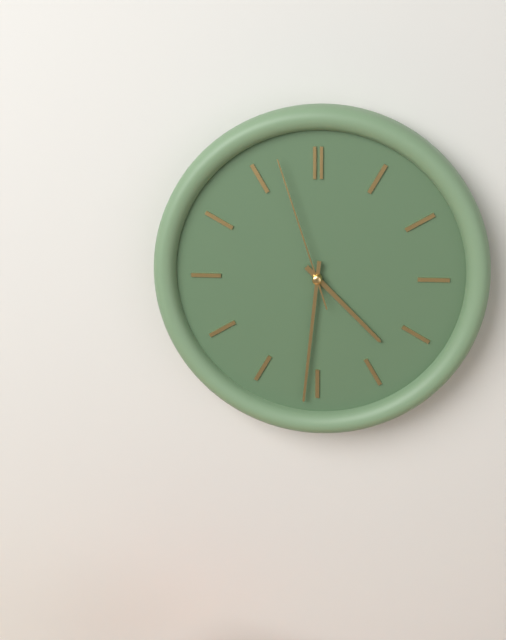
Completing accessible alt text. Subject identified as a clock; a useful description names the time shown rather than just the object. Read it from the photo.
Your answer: 4:31:57
